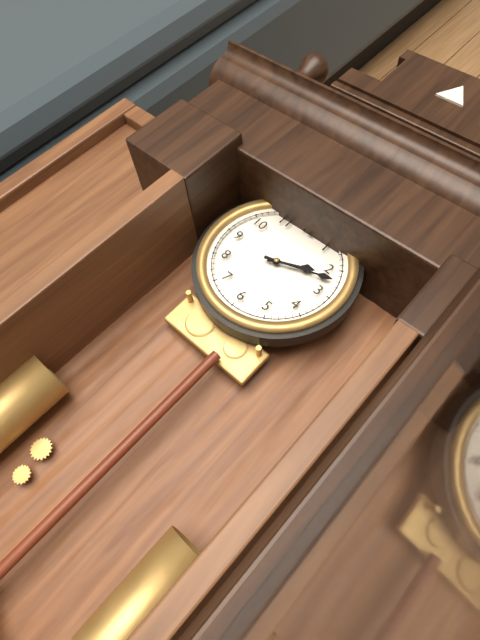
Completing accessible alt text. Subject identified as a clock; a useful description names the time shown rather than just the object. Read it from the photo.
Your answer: 2:12
